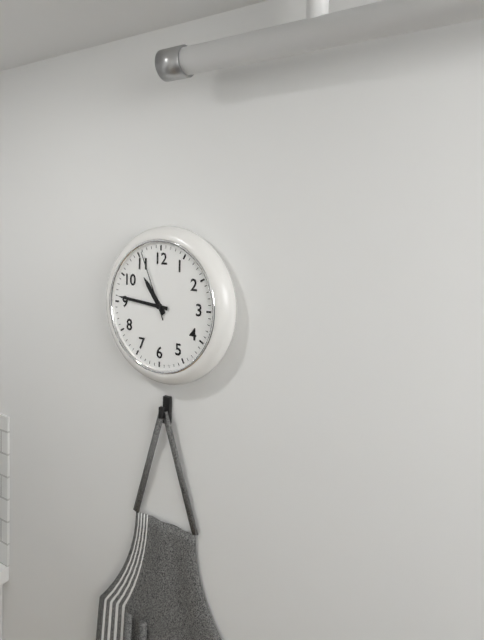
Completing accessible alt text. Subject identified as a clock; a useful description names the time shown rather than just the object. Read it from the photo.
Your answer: 10:46:56
